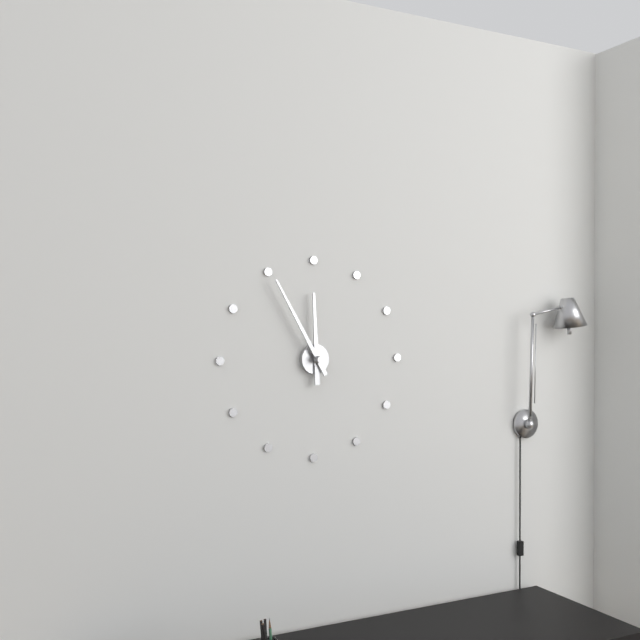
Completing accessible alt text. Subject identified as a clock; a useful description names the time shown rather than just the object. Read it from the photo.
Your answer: 11:55
